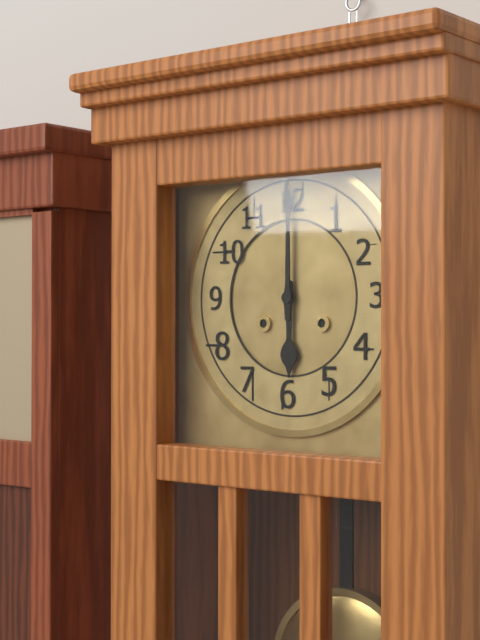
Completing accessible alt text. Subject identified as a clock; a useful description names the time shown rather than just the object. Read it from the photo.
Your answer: 6:00
